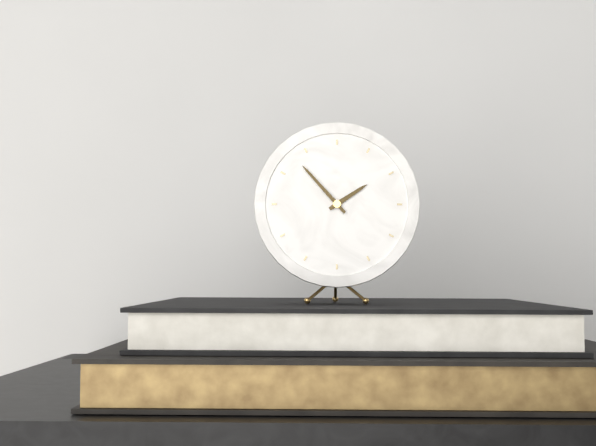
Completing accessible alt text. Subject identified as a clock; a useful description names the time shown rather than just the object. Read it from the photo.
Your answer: 1:53
